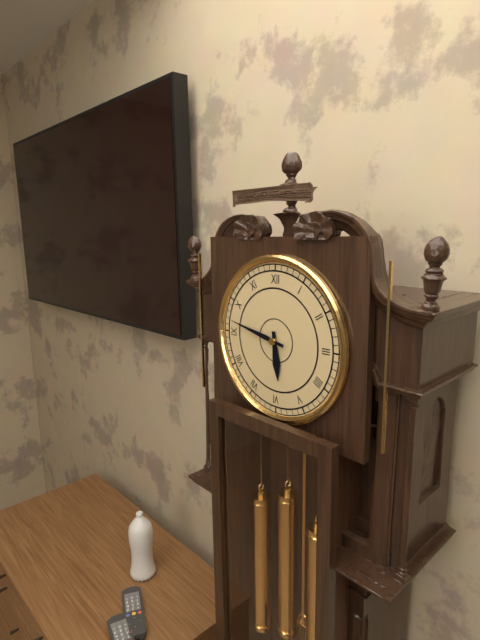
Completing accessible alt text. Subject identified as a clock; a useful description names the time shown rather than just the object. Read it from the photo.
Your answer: 5:47
